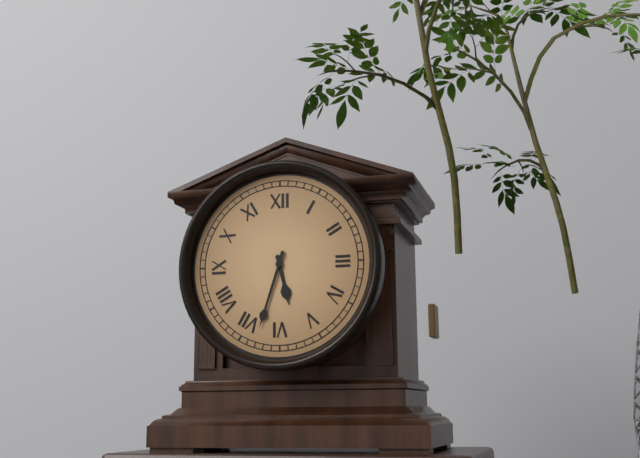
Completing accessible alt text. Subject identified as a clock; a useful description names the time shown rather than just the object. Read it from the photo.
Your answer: 5:33
